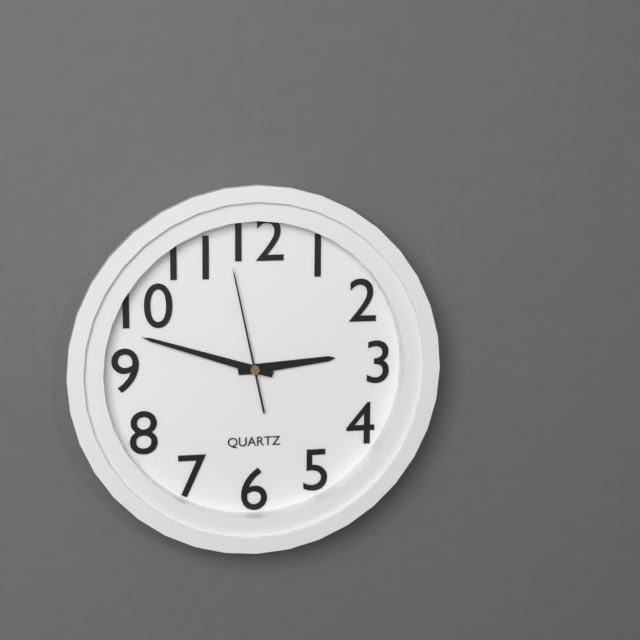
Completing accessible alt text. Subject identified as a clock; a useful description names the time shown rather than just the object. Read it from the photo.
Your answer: 2:48:58
